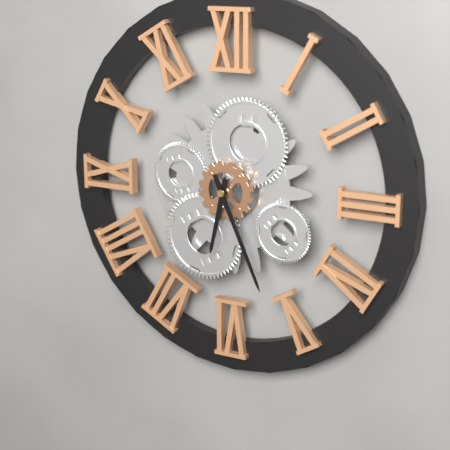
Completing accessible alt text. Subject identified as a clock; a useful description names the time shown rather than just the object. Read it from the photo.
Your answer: 6:26
